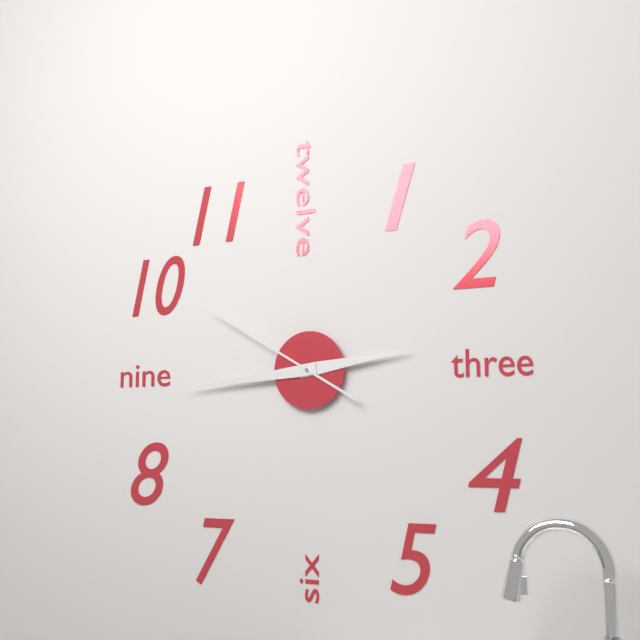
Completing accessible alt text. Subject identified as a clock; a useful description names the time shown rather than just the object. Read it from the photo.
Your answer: 2:44:50
